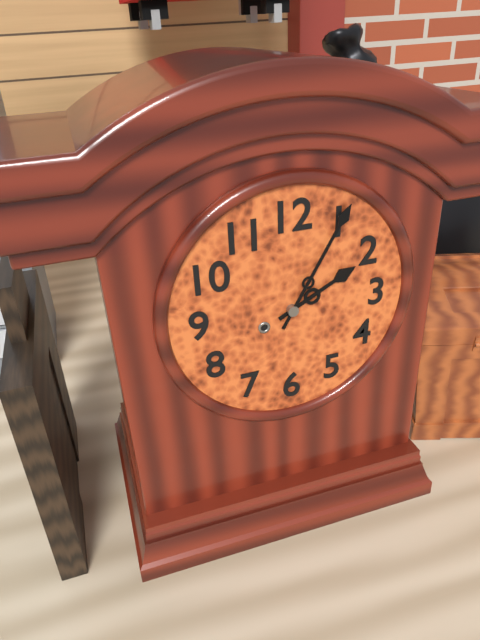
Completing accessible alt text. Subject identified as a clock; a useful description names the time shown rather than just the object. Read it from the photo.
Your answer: 2:05
